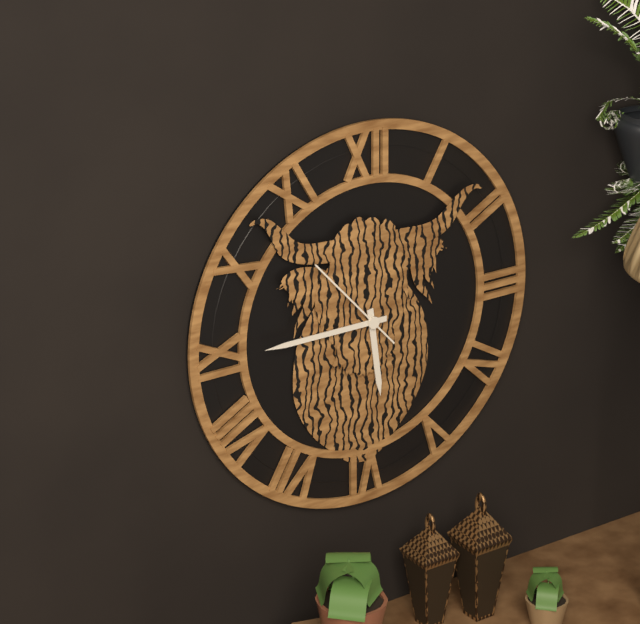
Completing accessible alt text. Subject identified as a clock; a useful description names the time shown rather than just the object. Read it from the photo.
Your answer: 5:45:53
